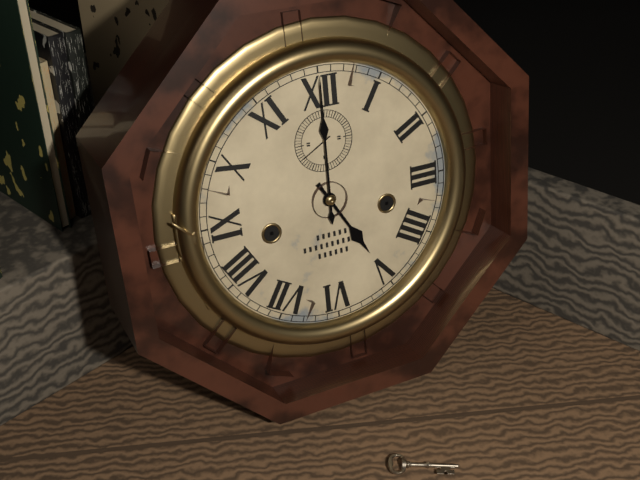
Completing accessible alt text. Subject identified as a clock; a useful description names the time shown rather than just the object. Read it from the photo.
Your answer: 5:00
